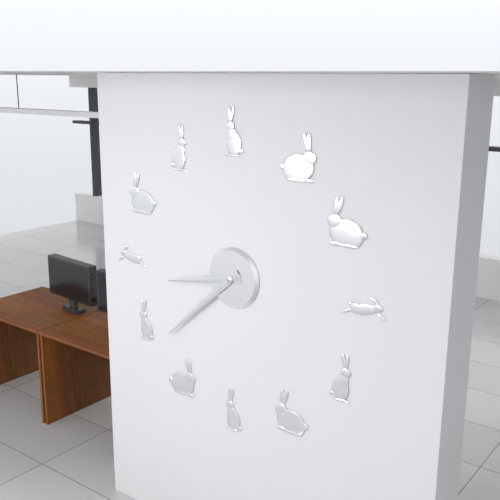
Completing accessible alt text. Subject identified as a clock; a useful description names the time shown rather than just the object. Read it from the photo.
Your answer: 8:38
